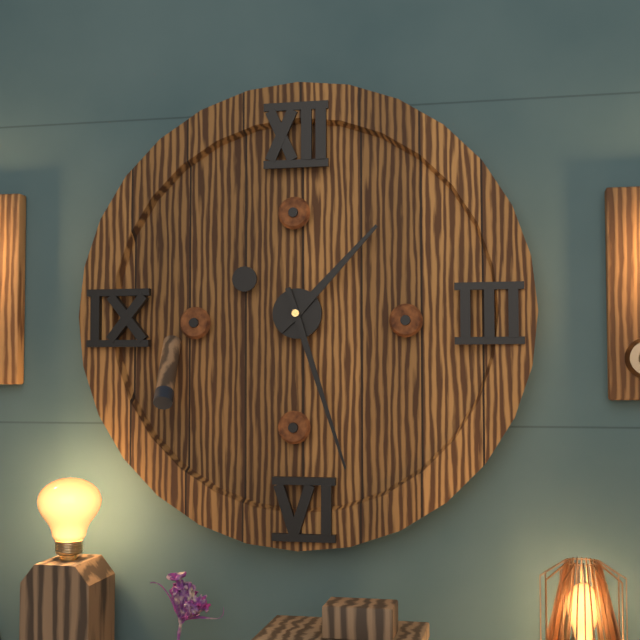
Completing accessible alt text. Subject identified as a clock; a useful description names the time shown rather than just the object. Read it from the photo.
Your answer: 1:27
